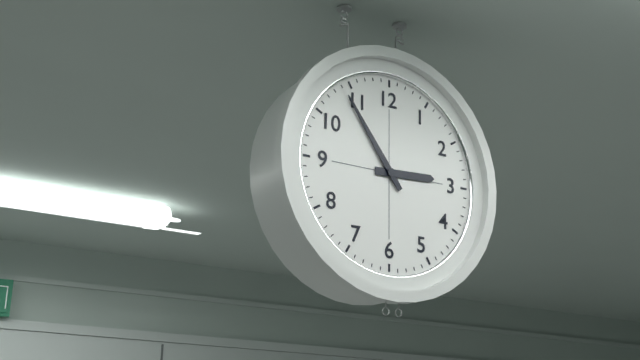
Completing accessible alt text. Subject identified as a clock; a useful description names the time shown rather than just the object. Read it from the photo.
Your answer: 2:54
